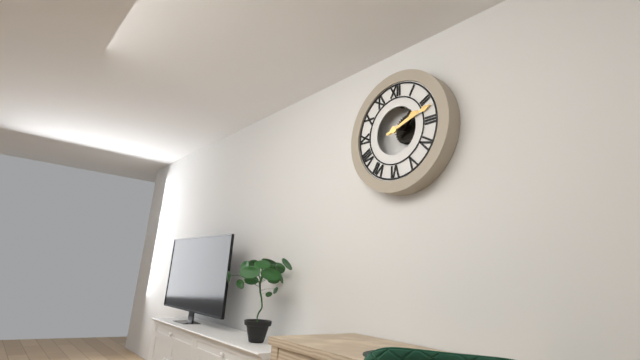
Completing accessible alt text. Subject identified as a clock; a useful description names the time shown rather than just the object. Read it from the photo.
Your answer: 2:12
